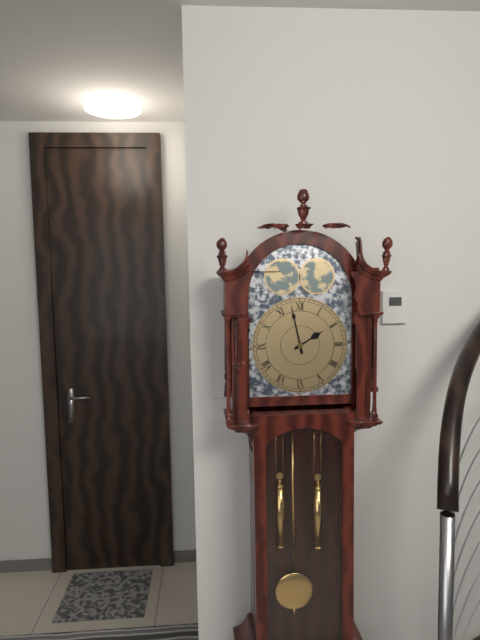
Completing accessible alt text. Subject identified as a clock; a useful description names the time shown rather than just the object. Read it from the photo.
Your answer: 1:58
